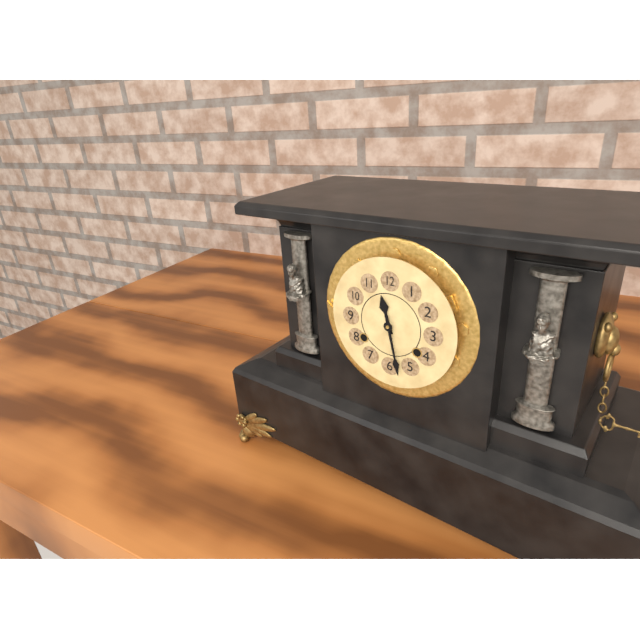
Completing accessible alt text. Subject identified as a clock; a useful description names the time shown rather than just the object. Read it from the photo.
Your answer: 11:28
